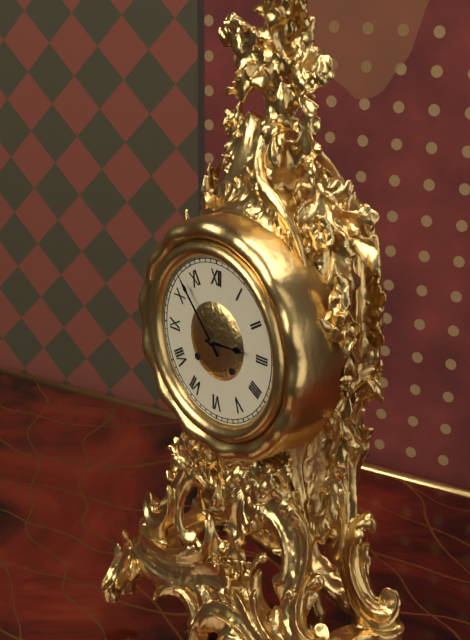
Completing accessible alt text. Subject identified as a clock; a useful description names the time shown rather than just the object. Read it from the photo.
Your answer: 2:53
